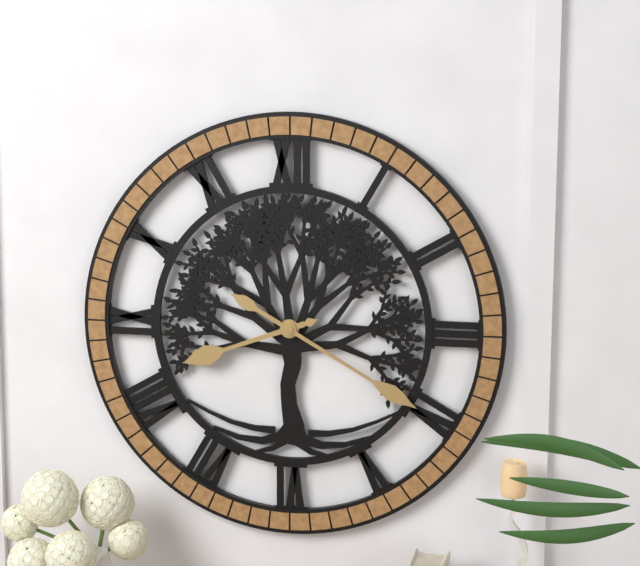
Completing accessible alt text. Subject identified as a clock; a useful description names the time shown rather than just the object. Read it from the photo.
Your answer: 8:20
